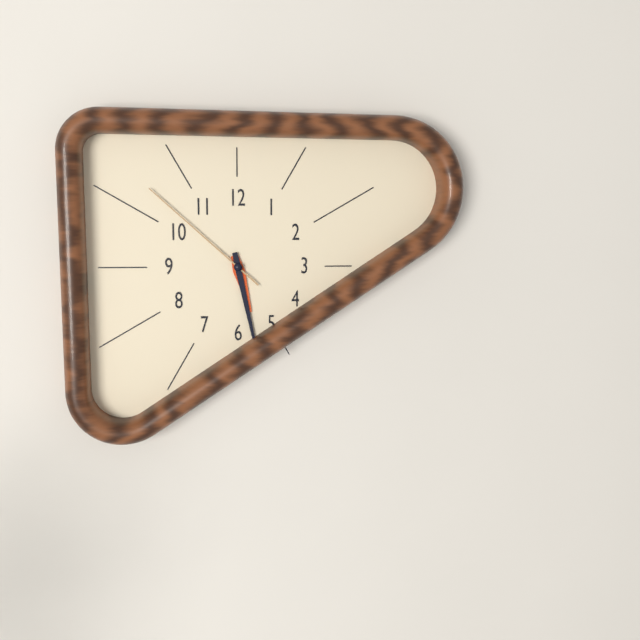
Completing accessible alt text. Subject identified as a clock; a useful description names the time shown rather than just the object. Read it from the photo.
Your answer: 5:28:52
